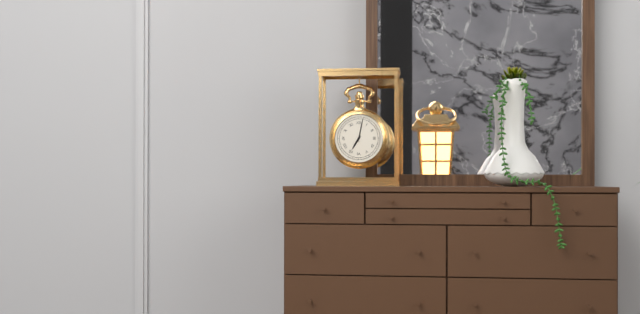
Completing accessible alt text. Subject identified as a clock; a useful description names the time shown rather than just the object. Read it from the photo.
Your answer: 7:02
